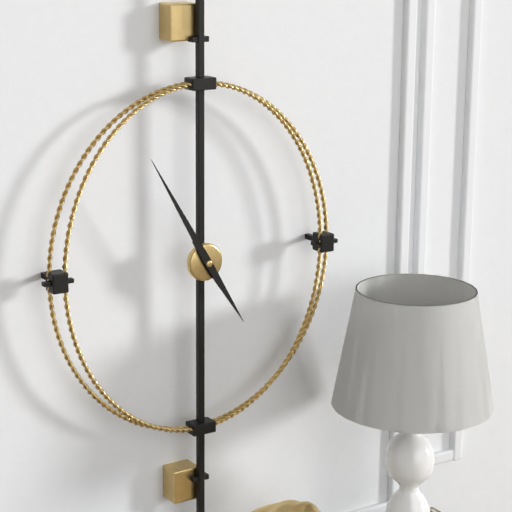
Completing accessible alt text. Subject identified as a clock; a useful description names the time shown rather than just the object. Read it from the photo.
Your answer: 4:55
